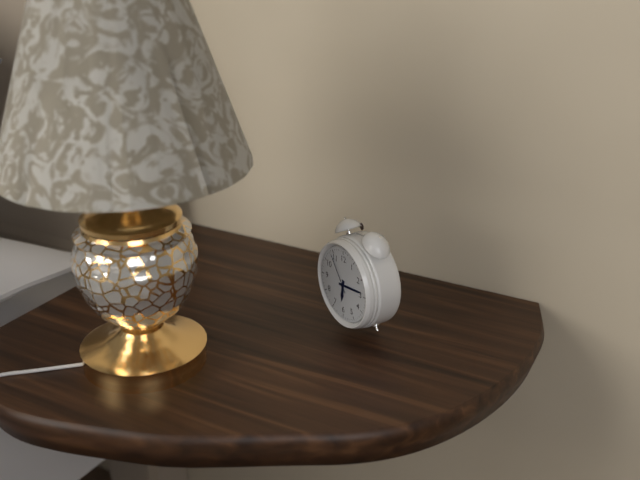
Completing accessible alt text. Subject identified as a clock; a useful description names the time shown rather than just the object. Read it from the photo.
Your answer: 6:14
